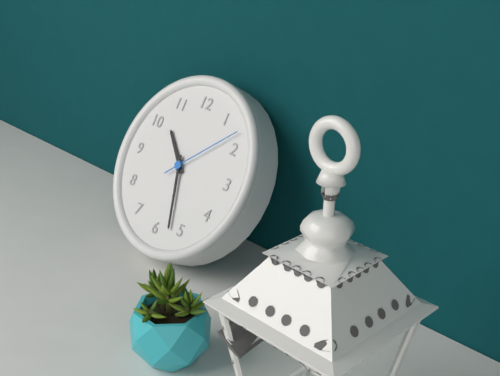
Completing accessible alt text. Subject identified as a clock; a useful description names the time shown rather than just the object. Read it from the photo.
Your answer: 10:27:08
